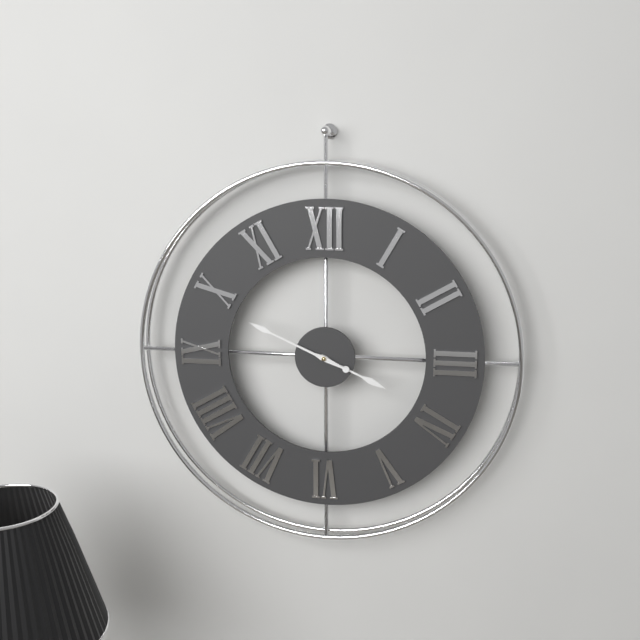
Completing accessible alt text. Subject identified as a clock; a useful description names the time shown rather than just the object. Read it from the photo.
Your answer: 3:49
